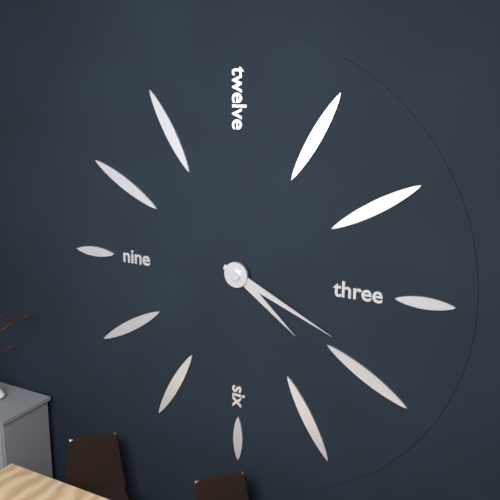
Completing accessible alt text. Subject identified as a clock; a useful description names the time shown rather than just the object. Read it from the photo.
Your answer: 4:19
